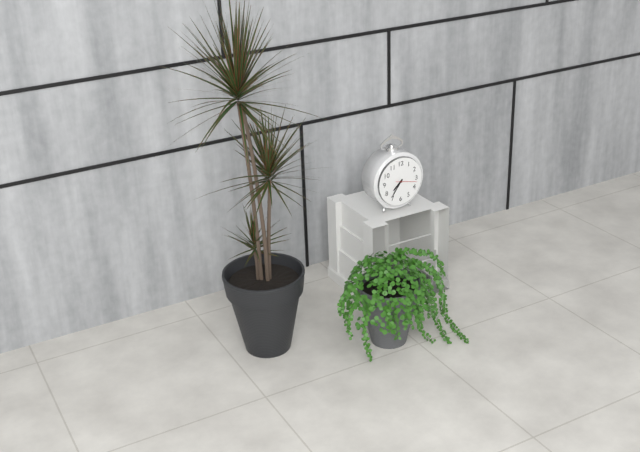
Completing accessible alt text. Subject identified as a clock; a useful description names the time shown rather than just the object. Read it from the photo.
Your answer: 7:36
